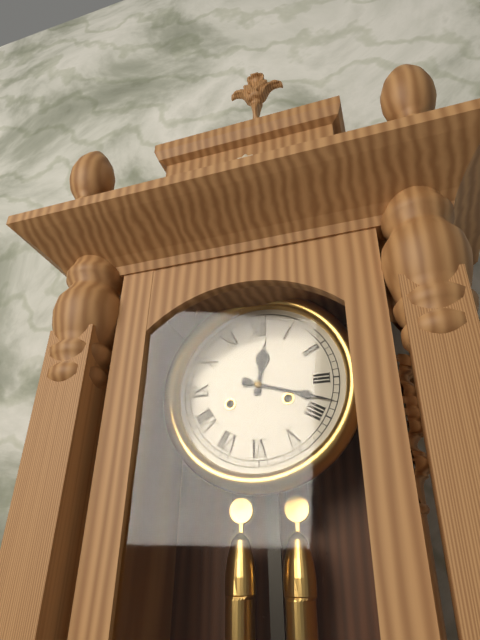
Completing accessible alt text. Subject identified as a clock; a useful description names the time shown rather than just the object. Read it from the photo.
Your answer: 12:18
